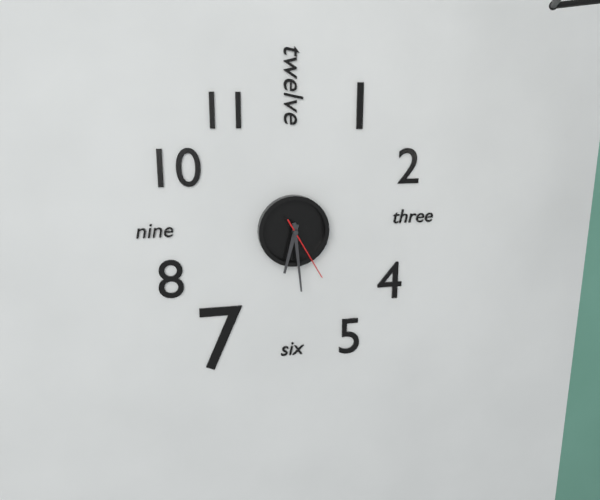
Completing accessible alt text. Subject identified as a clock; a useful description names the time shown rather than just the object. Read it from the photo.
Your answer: 6:29:25
